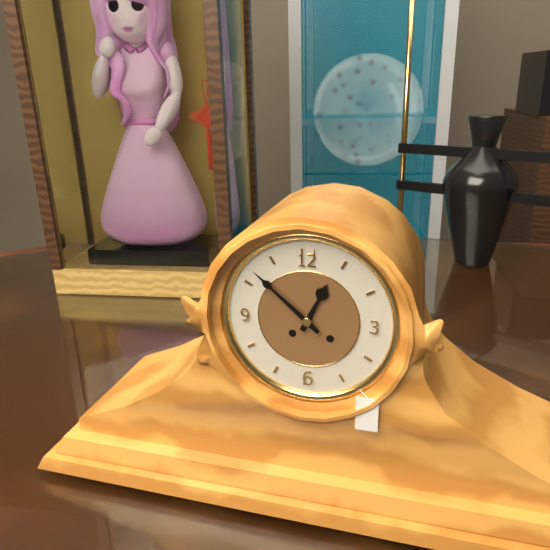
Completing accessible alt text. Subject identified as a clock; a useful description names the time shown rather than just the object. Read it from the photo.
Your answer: 12:52
